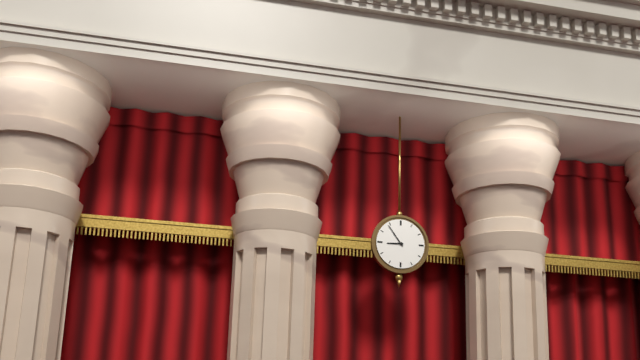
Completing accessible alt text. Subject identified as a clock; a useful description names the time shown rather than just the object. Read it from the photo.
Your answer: 8:54
